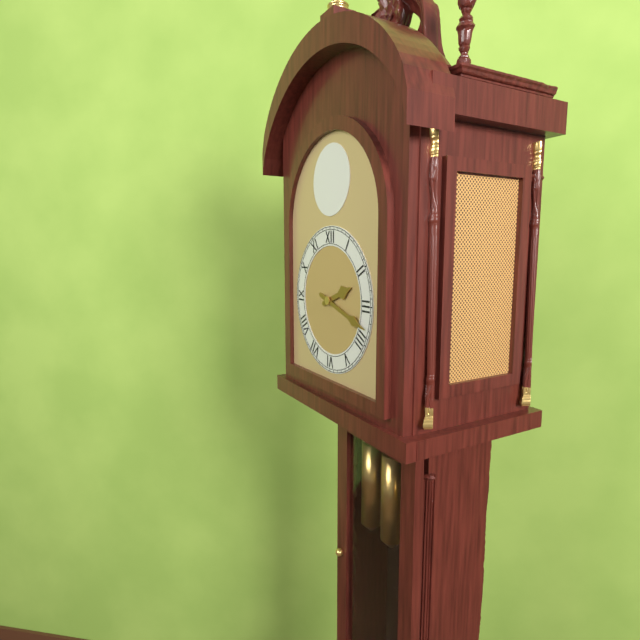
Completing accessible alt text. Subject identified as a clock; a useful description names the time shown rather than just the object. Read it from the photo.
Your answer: 2:18
